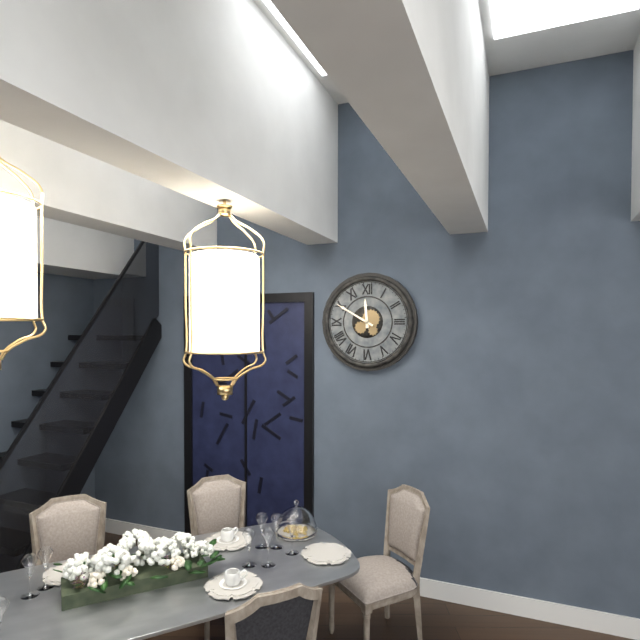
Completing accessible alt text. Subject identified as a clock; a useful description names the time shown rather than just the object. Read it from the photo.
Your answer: 11:50
